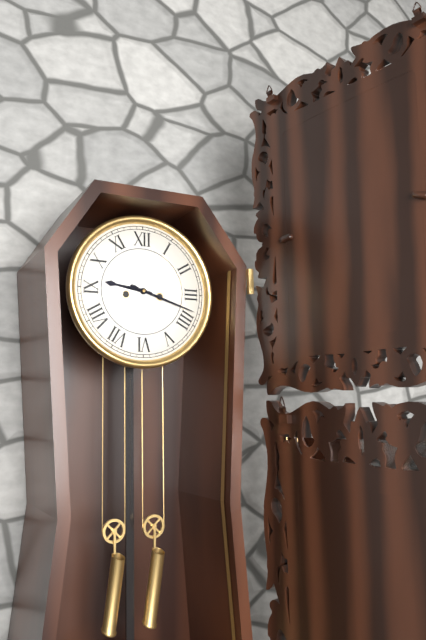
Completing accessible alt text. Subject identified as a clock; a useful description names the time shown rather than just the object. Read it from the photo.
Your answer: 9:18
